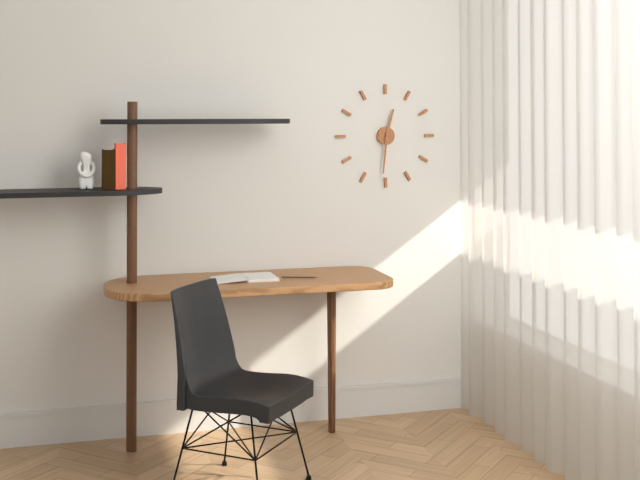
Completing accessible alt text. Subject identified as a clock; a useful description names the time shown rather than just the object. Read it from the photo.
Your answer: 12:31
